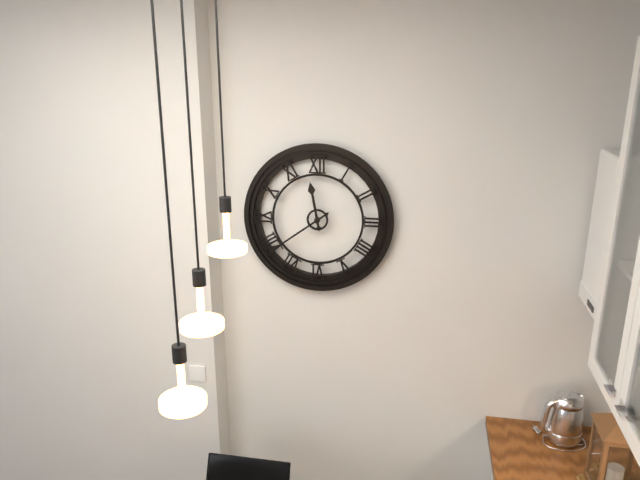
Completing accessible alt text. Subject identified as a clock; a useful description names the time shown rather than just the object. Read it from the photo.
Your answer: 11:39
